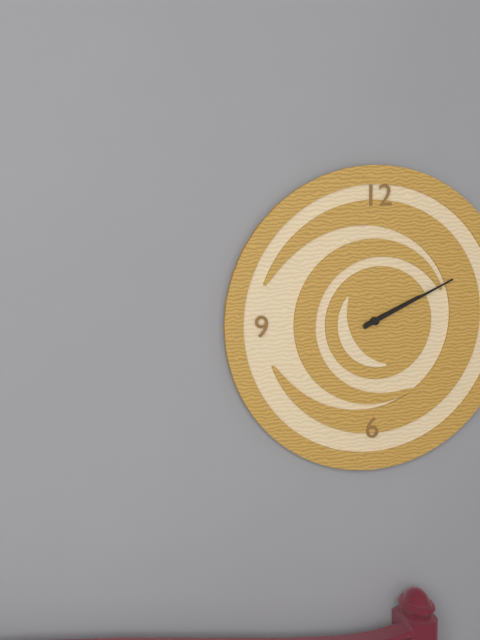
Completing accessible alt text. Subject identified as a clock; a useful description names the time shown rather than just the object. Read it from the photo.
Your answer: 2:11
